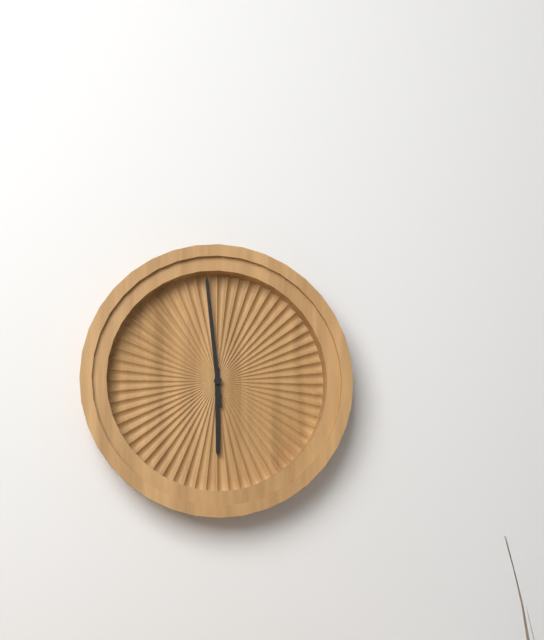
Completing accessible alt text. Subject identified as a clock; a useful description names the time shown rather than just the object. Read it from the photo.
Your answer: 5:59
